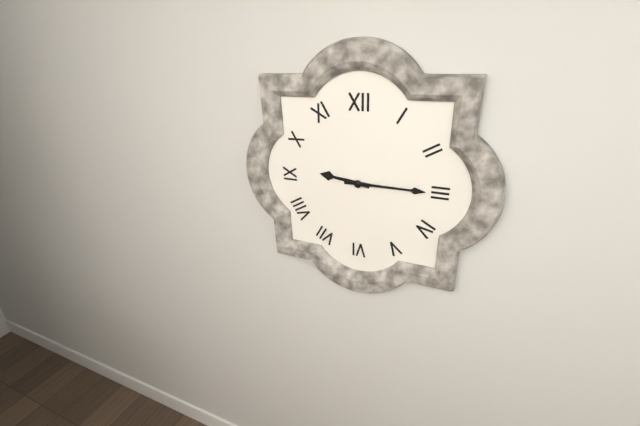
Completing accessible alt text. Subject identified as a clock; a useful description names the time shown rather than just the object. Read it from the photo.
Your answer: 9:15
